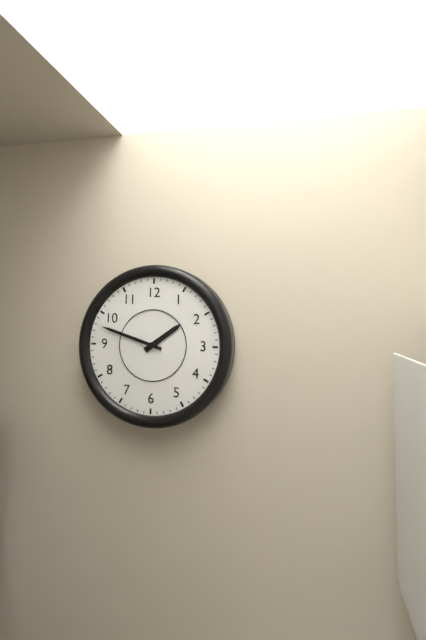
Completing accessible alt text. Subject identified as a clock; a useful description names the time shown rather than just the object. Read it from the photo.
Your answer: 1:48
